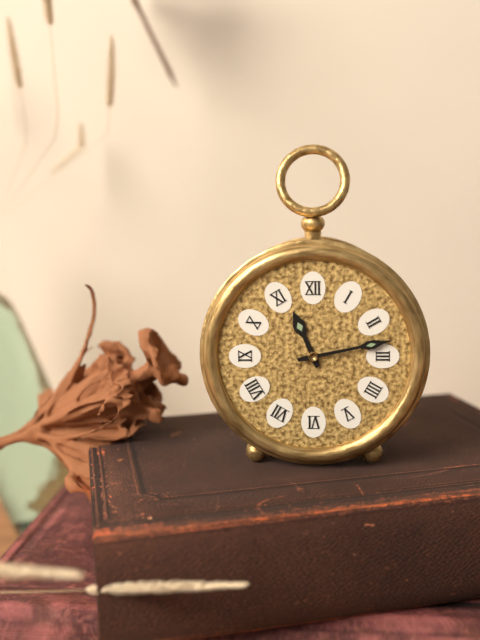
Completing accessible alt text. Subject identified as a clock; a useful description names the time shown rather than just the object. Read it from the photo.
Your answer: 11:13
